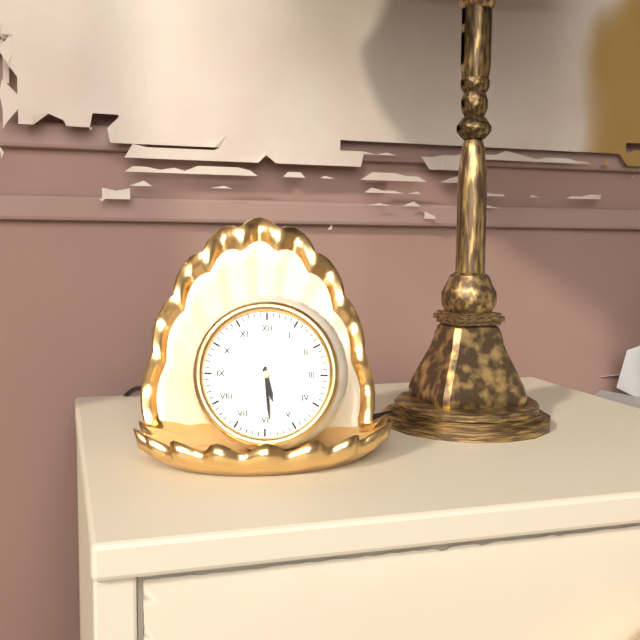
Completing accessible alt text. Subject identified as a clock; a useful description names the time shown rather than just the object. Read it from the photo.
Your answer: 5:29
